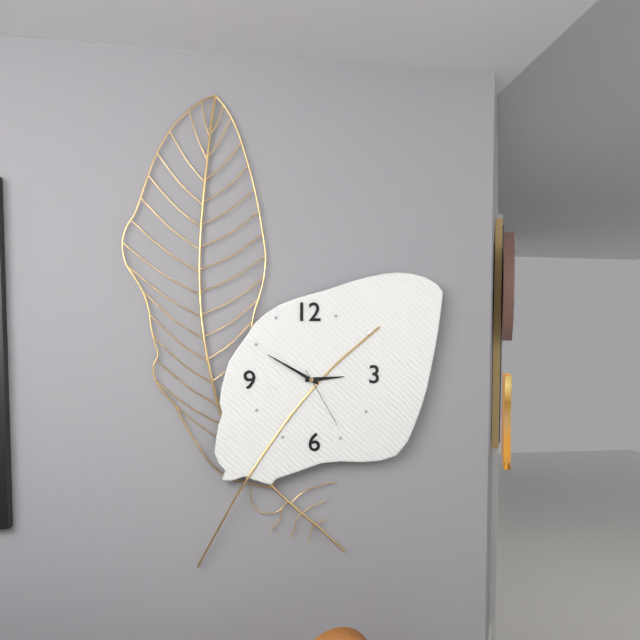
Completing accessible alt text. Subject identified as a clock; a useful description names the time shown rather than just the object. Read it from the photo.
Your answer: 2:50:25
